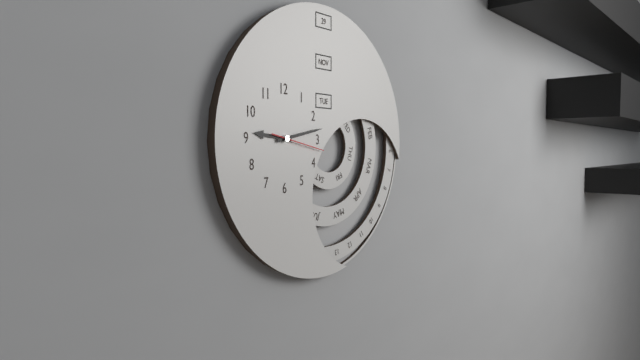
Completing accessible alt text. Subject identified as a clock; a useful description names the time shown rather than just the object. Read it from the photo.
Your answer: 9:13
